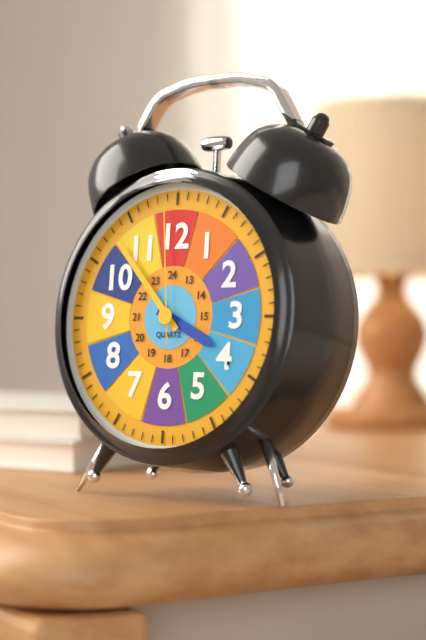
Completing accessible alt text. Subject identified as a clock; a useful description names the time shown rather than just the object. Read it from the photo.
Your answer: 3:53:59
